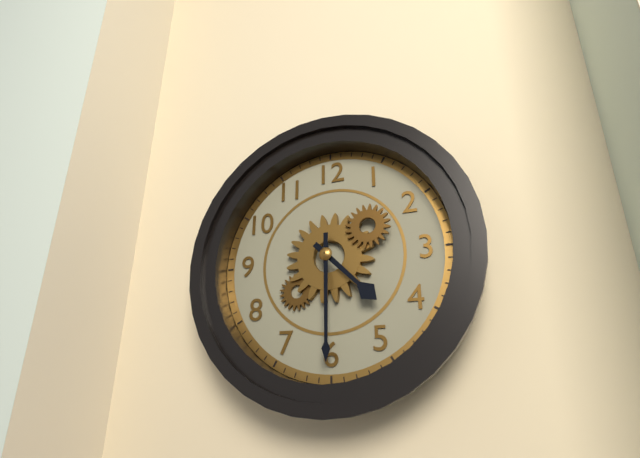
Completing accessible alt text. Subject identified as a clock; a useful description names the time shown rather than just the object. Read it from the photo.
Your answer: 4:30
